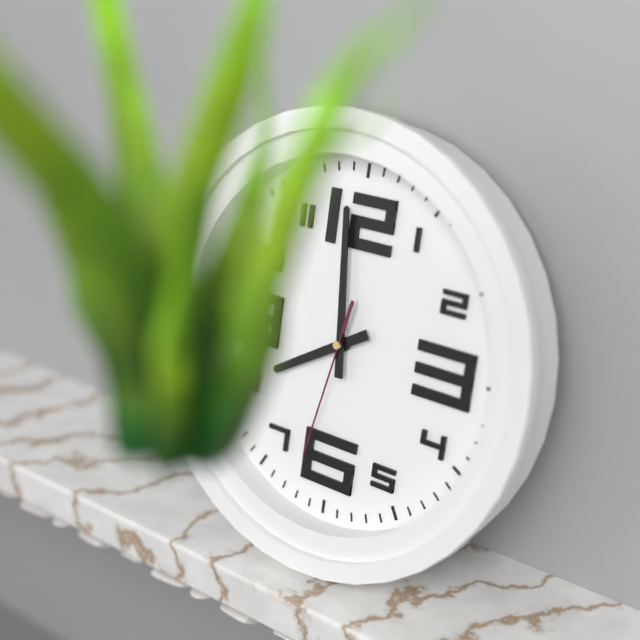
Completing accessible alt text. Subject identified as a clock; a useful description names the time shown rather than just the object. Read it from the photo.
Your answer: 7:59:32
